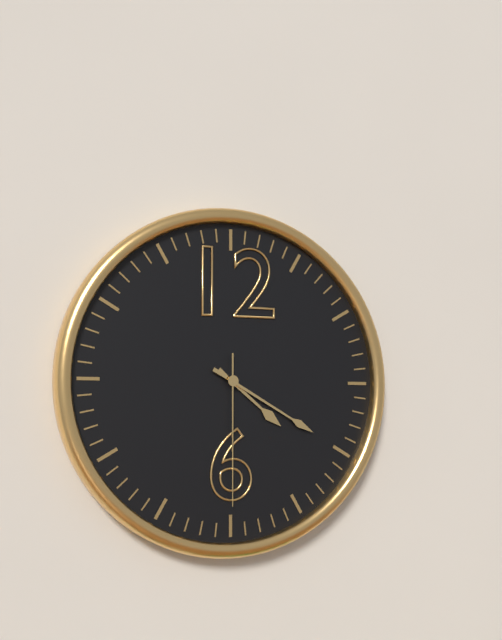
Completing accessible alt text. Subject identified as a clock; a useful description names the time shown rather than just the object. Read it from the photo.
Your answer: 4:20:30
